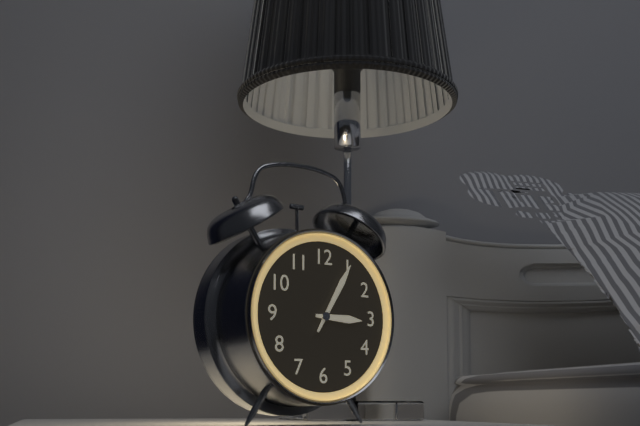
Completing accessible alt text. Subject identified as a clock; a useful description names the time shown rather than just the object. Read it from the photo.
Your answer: 3:05
